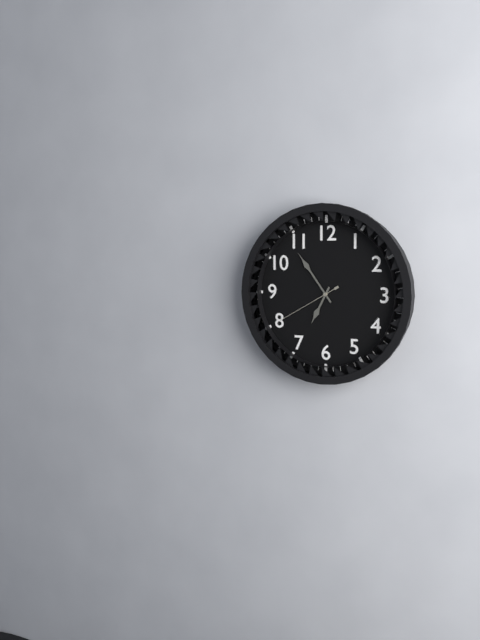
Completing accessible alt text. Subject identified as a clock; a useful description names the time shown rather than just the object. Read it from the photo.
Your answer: 6:54:40
